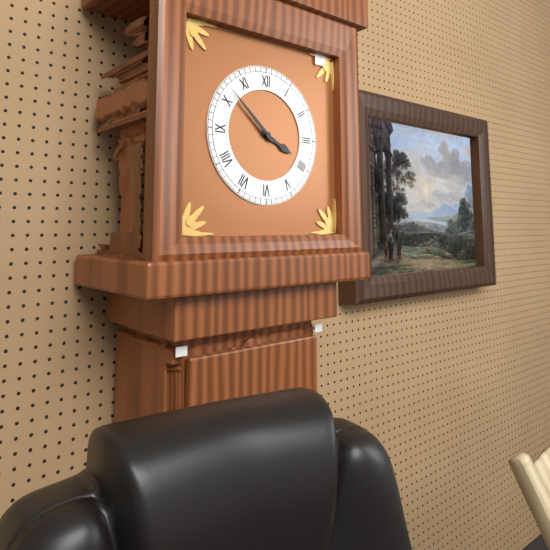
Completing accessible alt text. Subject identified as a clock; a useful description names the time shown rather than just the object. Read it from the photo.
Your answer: 3:52
